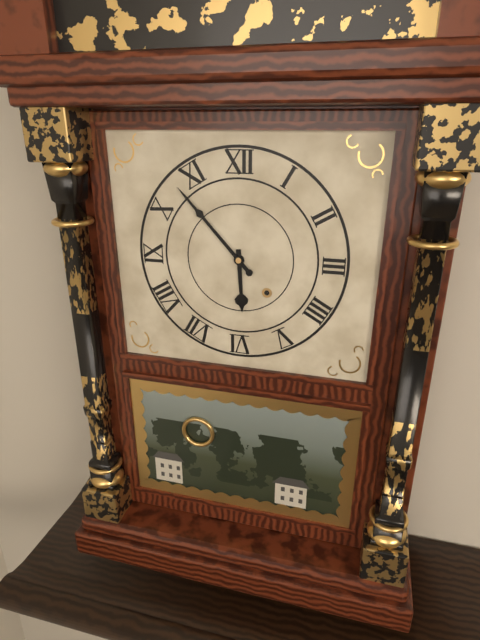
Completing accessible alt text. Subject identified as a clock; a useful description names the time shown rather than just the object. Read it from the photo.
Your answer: 5:53
